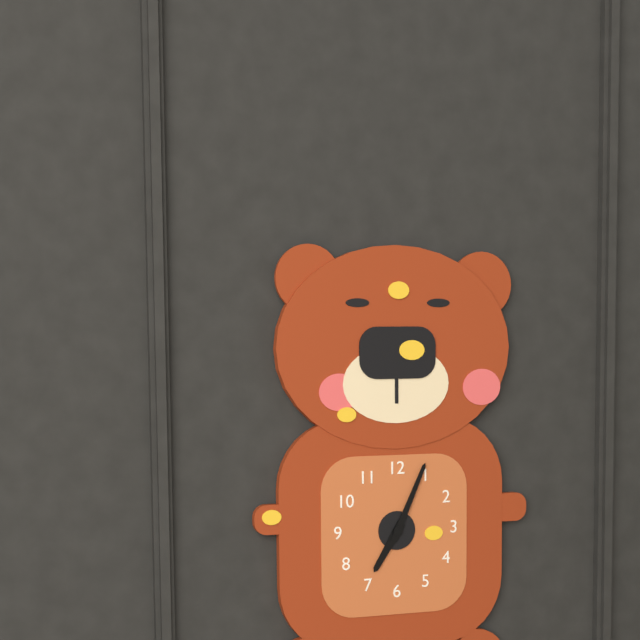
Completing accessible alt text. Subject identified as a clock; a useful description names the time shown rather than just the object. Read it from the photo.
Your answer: 7:04
